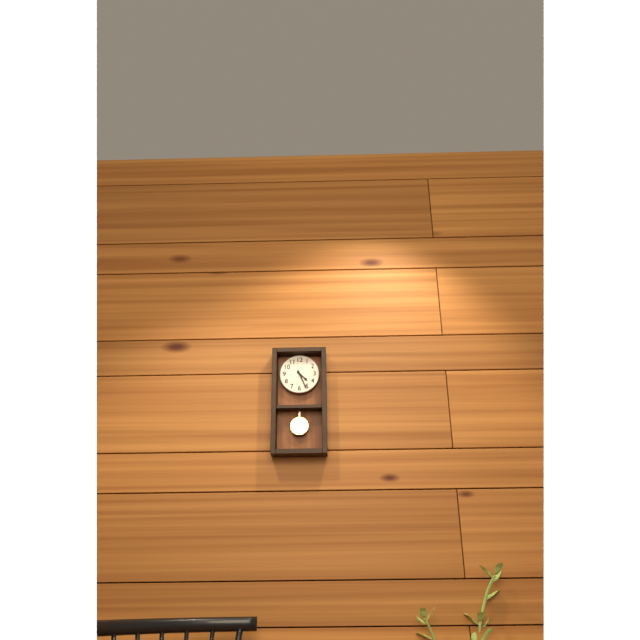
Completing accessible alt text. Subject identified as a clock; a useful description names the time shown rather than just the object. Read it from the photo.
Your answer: 4:26
